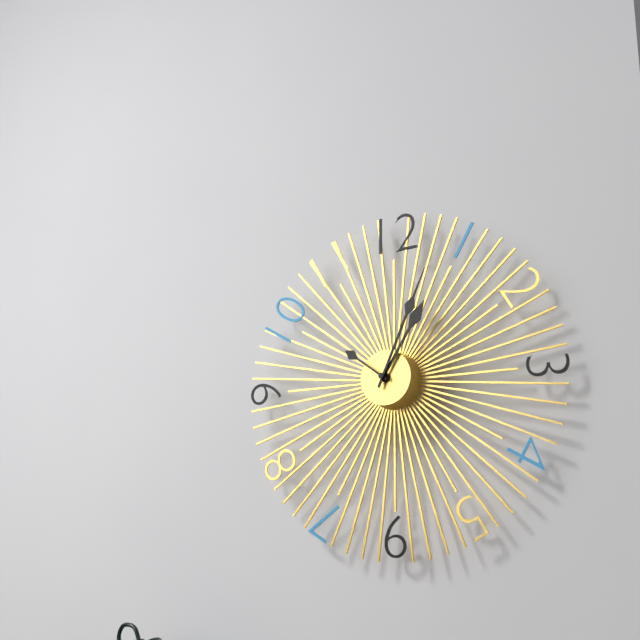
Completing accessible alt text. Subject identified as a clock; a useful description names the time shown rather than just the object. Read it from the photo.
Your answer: 1:04:51
